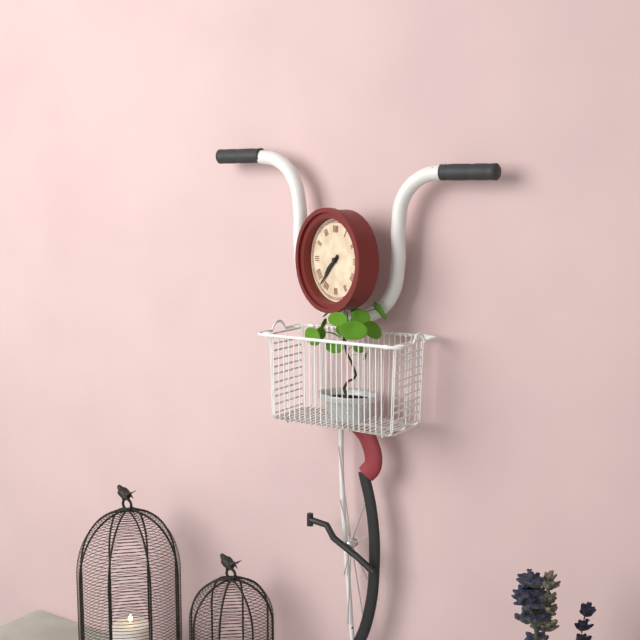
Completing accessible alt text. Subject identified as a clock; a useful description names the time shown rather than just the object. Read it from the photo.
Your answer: 7:37
